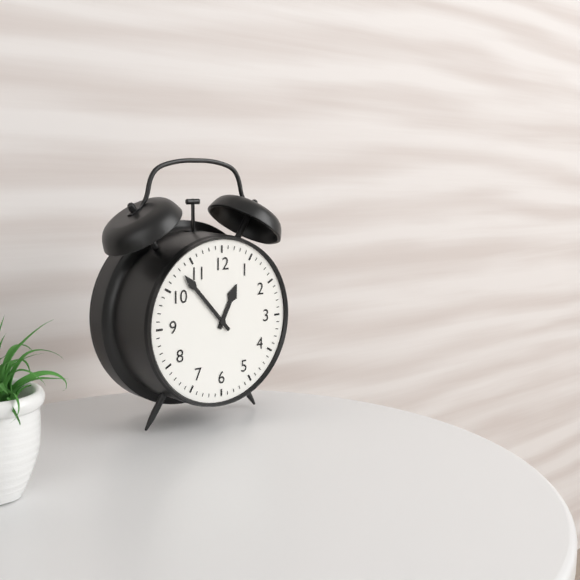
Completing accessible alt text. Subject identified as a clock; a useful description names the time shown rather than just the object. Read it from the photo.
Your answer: 12:53
